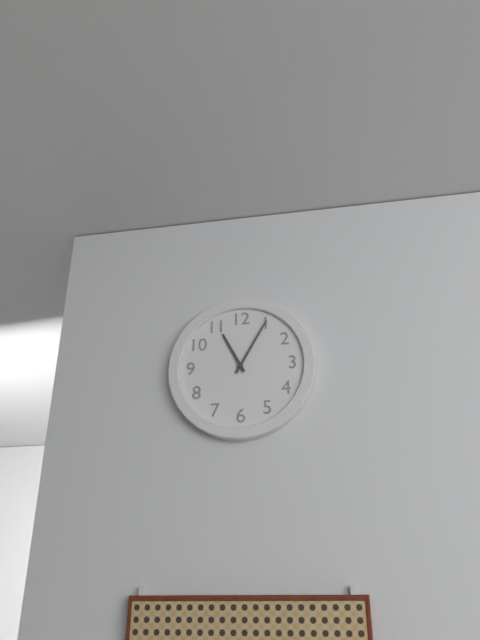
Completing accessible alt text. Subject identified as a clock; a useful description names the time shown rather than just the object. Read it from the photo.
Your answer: 11:05
